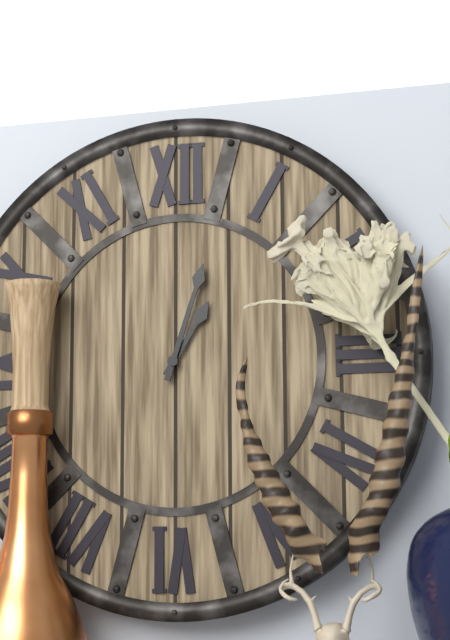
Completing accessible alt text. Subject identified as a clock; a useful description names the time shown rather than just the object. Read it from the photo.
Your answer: 1:03
